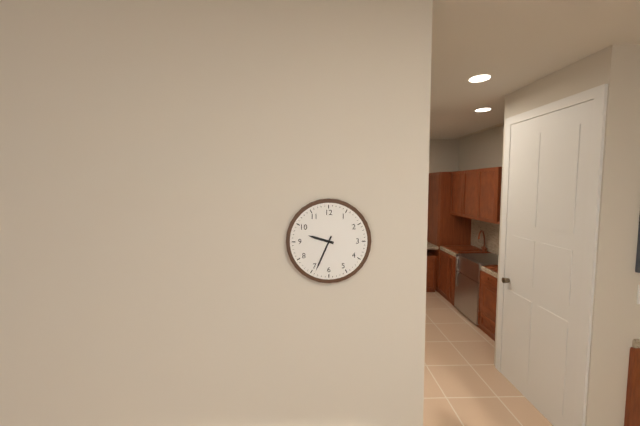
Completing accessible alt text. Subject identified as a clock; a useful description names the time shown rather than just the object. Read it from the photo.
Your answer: 9:34
